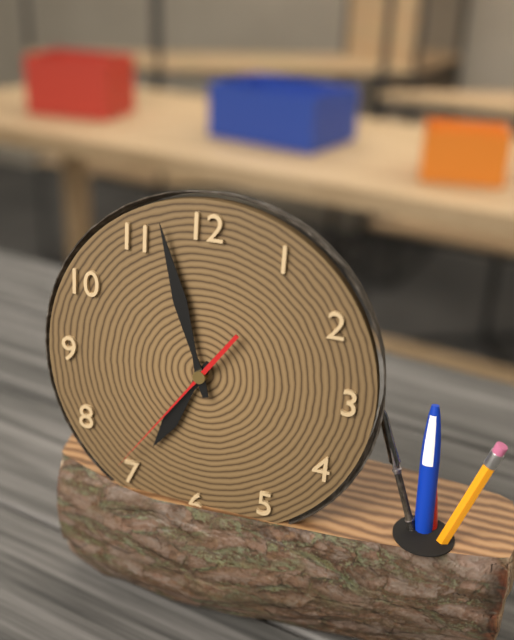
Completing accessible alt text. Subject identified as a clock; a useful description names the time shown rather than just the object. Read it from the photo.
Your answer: 6:57:36
